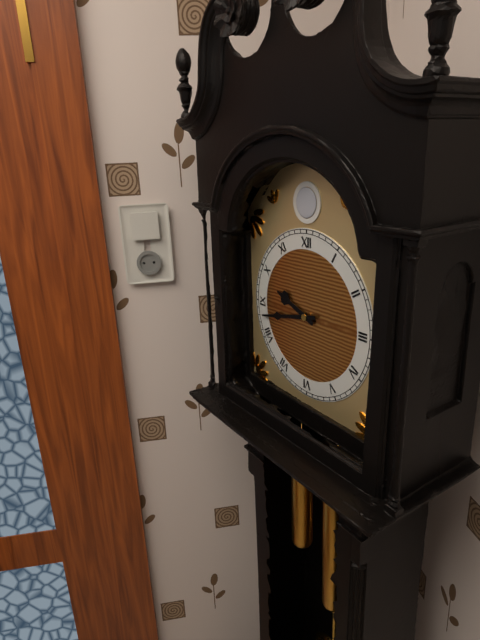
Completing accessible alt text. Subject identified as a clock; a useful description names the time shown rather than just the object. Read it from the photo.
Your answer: 9:43
